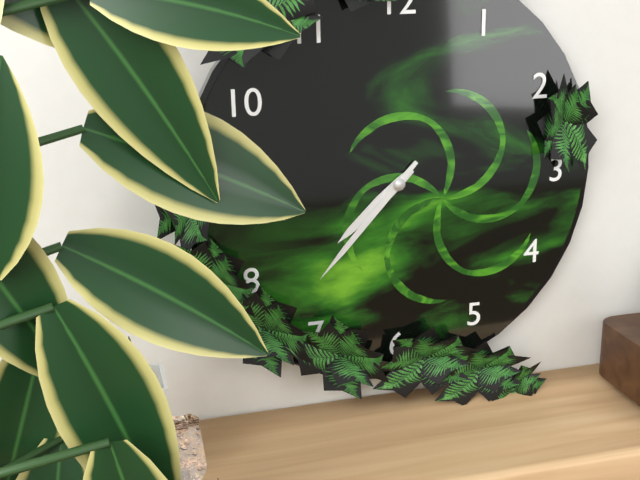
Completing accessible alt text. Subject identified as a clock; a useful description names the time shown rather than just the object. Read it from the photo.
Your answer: 7:37
